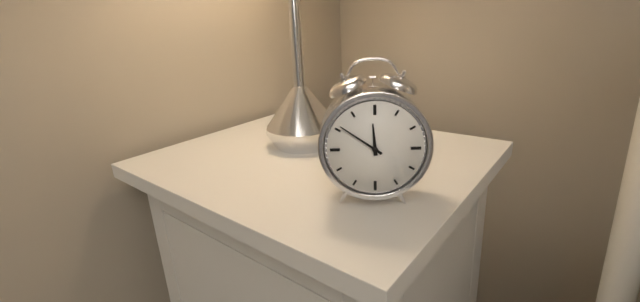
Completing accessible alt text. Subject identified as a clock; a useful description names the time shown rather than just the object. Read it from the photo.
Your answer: 11:51
